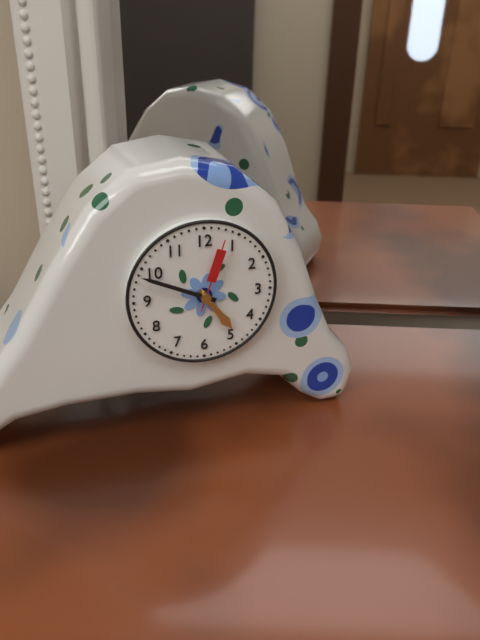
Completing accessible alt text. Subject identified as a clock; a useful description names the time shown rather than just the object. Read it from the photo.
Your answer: 4:49:03
